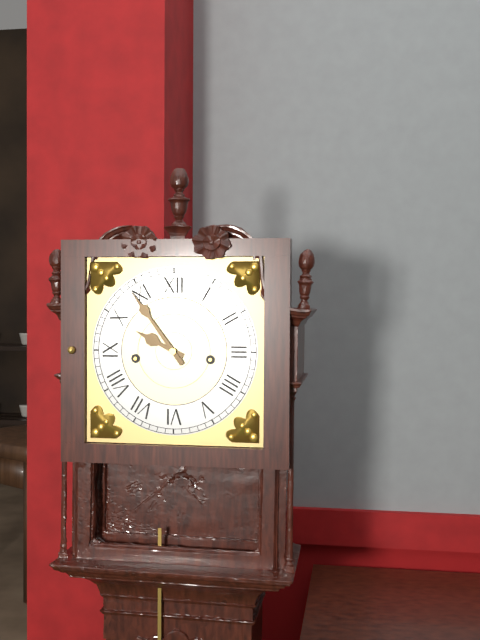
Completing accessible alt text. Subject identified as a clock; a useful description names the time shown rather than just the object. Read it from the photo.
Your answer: 9:54
